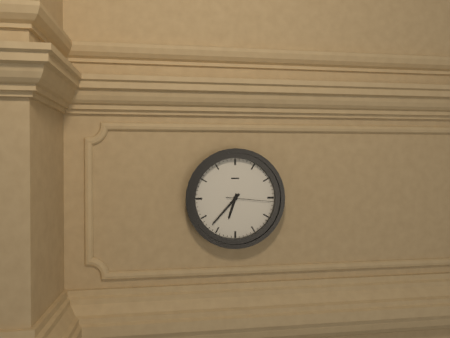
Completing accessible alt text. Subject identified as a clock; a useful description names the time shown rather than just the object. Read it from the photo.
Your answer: 6:37
